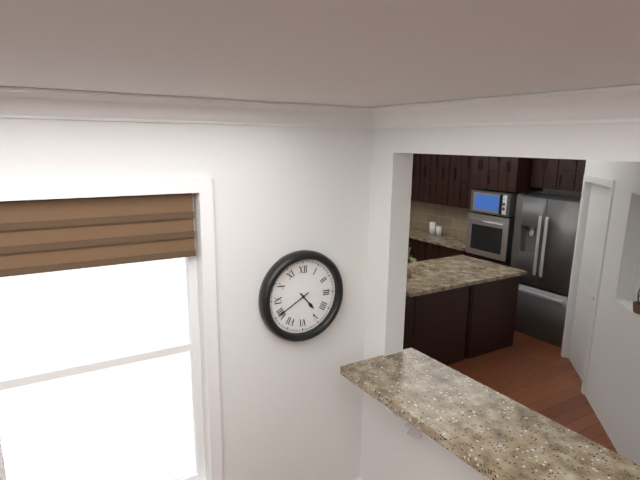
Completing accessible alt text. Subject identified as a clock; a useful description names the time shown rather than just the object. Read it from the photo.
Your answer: 4:40
